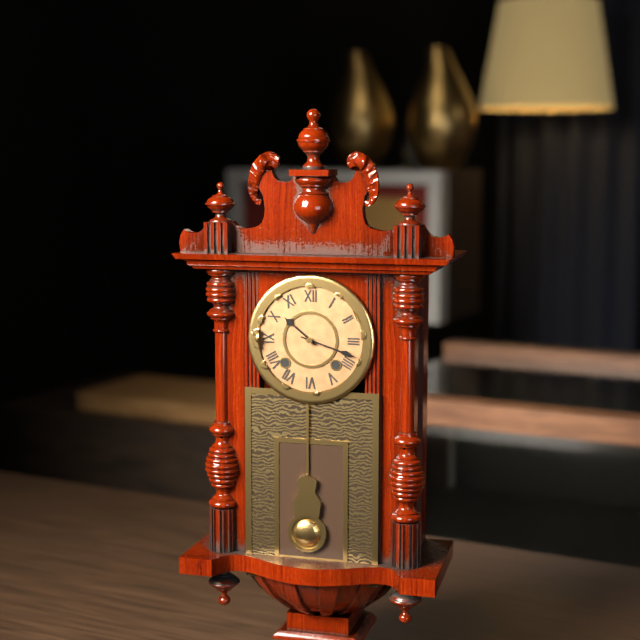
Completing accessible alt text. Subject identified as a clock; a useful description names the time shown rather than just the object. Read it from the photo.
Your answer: 10:18
